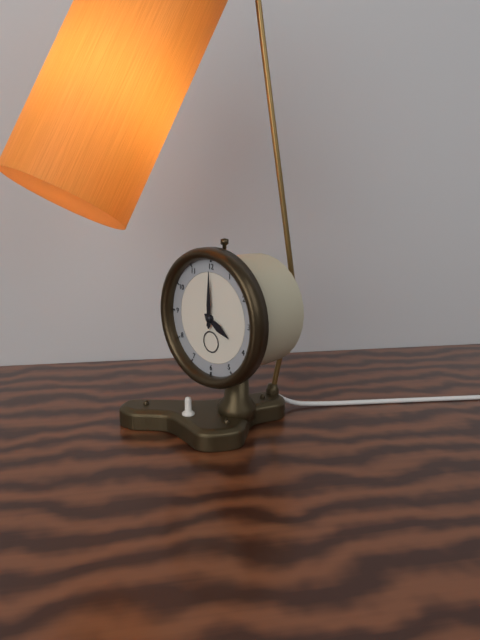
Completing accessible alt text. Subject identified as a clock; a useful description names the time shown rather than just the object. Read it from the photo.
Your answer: 4:00
